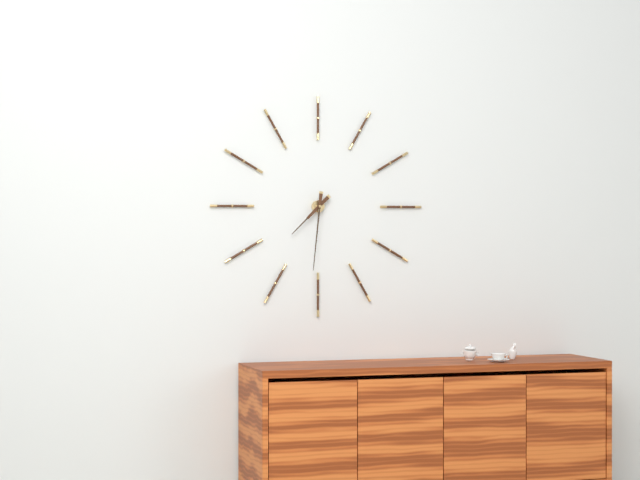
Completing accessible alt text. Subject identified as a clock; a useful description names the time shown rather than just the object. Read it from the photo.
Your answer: 7:31
